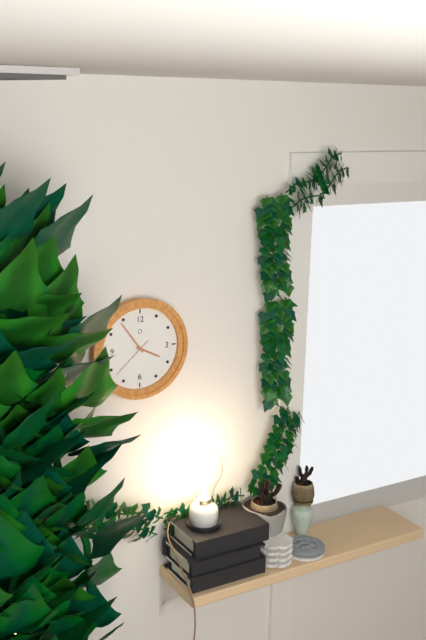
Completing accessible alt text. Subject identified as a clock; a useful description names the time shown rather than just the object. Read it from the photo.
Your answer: 3:54
